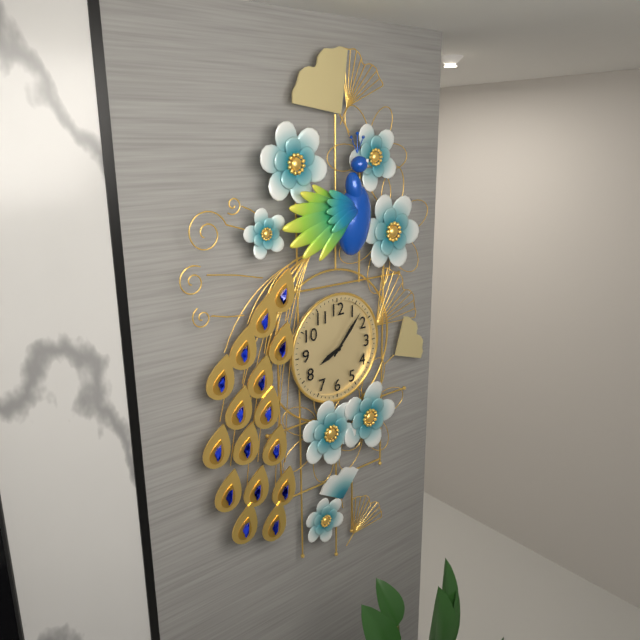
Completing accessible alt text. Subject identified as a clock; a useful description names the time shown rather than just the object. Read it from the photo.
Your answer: 8:07
